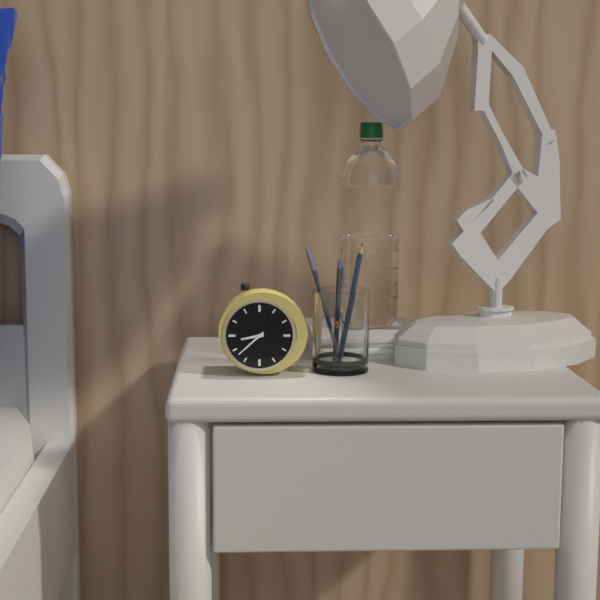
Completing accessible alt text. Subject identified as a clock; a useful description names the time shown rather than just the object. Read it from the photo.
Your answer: 8:38
